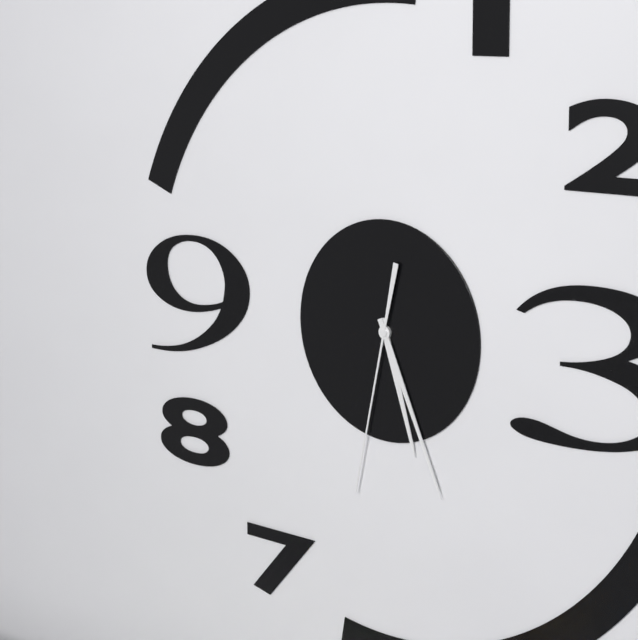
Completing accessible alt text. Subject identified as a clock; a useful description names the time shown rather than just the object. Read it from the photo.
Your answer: 5:26:32
